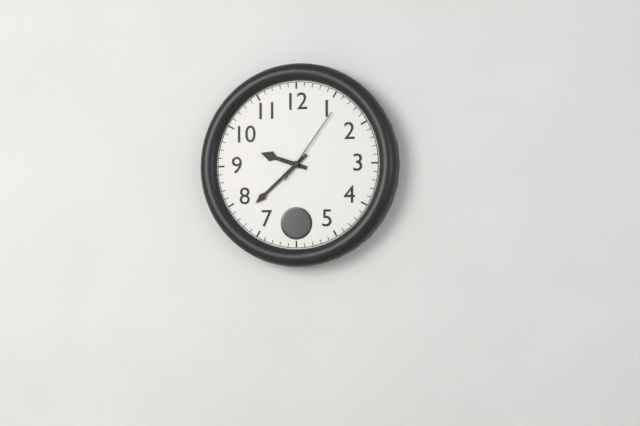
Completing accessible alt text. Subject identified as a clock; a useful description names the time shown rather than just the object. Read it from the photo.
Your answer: 9:38:06
